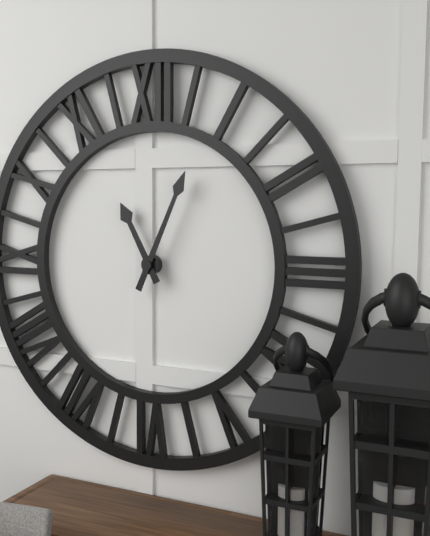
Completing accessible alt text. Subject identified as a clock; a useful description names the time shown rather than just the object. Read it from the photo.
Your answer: 11:04
